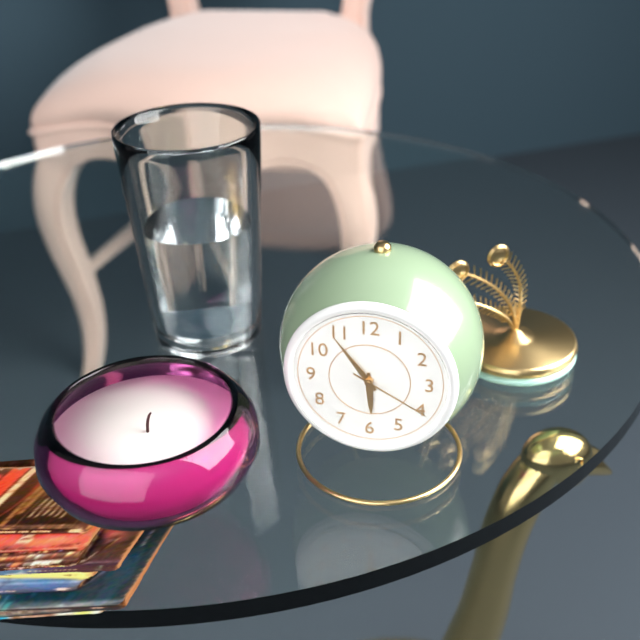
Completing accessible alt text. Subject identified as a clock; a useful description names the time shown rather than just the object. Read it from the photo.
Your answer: 5:54:20
